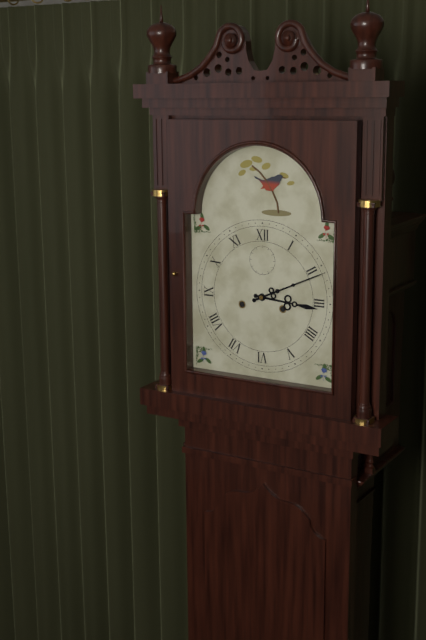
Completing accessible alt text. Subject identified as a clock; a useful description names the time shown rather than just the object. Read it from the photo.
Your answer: 3:11
